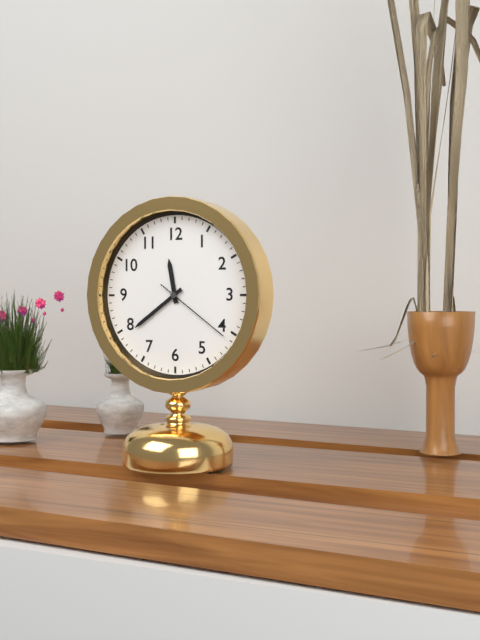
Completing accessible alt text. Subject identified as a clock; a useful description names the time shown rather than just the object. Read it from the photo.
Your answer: 11:39:21
